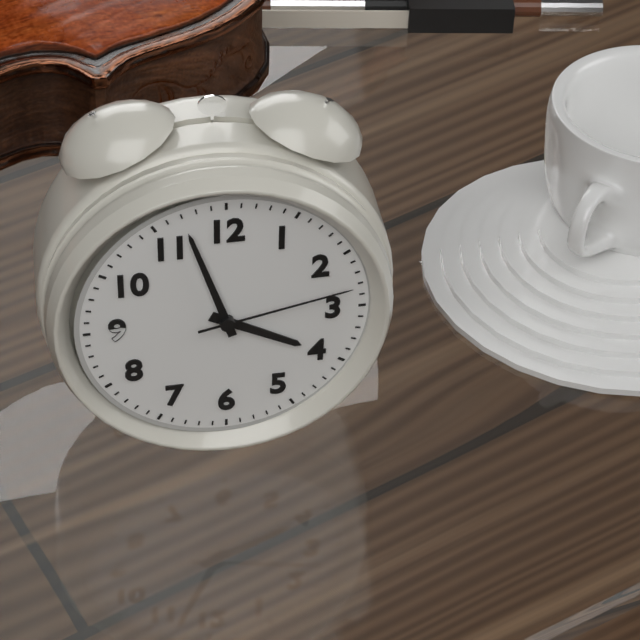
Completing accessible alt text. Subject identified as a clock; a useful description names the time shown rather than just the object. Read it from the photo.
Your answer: 3:57:13
